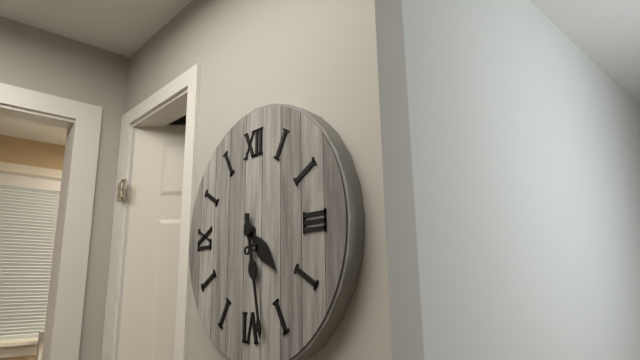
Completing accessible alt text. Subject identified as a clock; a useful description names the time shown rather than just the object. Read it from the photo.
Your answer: 4:28
